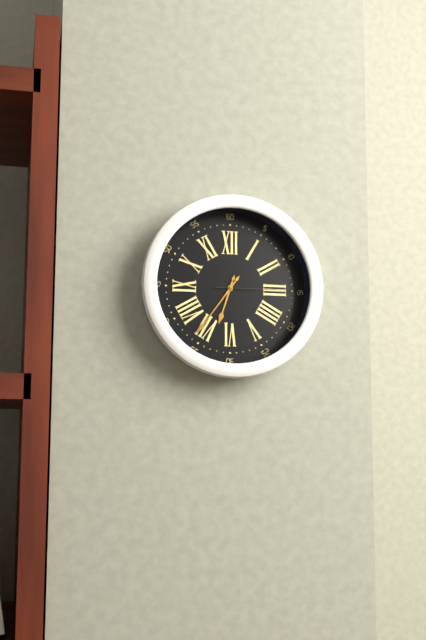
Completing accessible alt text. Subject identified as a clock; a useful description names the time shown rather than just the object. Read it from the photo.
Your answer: 6:36:15
